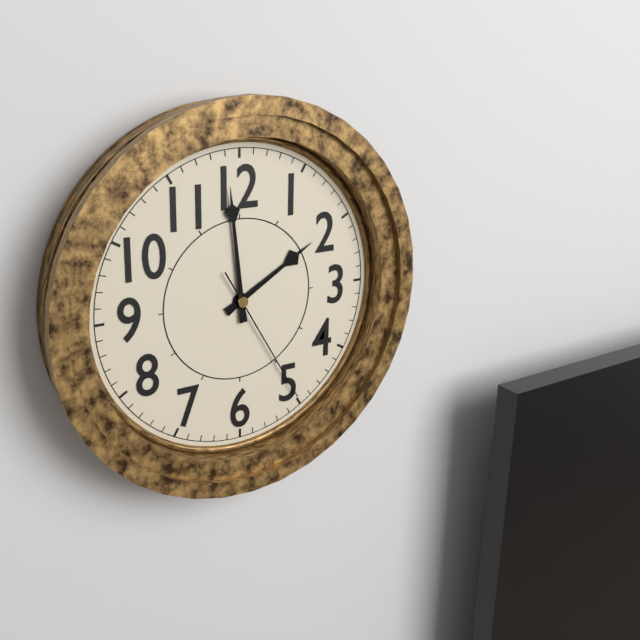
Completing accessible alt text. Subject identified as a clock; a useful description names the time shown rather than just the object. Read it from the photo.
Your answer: 1:59:25
